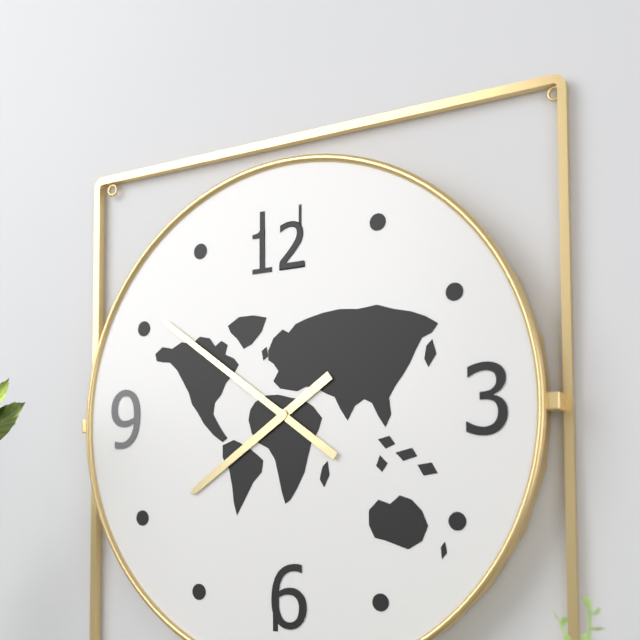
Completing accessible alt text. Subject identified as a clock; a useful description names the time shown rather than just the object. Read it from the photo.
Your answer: 7:51
